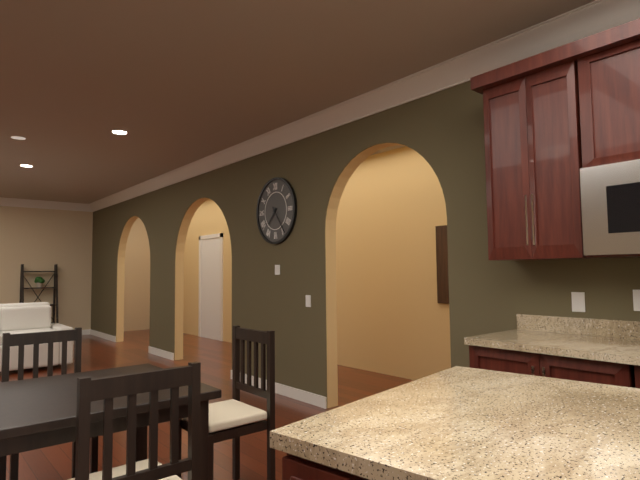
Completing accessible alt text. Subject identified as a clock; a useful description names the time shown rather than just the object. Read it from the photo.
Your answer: 7:24
